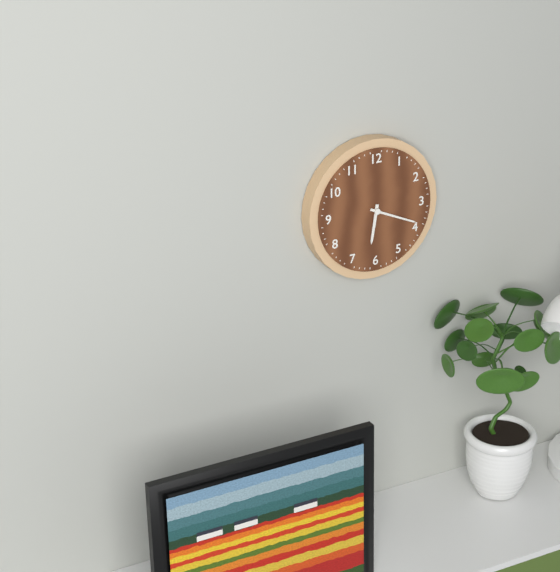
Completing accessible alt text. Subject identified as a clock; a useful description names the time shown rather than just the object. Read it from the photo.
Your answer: 6:19
